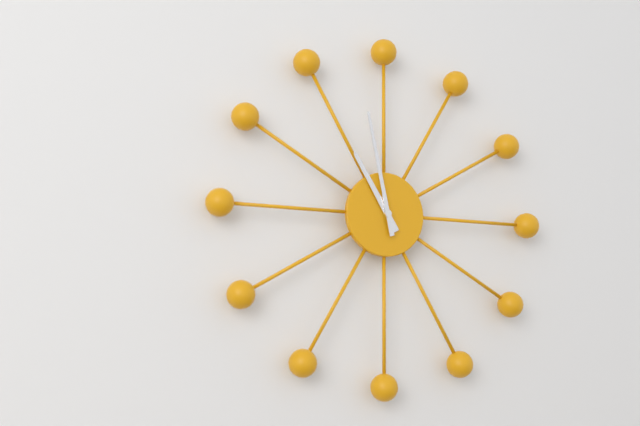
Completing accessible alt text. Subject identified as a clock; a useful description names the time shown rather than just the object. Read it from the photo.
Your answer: 10:58
